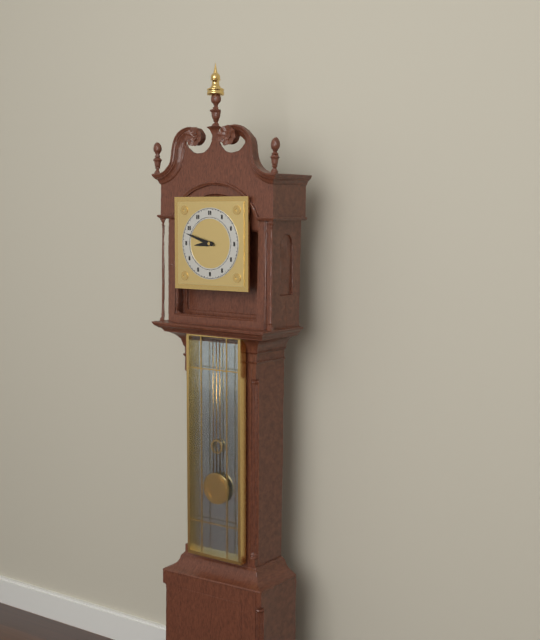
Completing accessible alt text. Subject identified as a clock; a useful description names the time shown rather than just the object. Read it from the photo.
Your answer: 8:48
